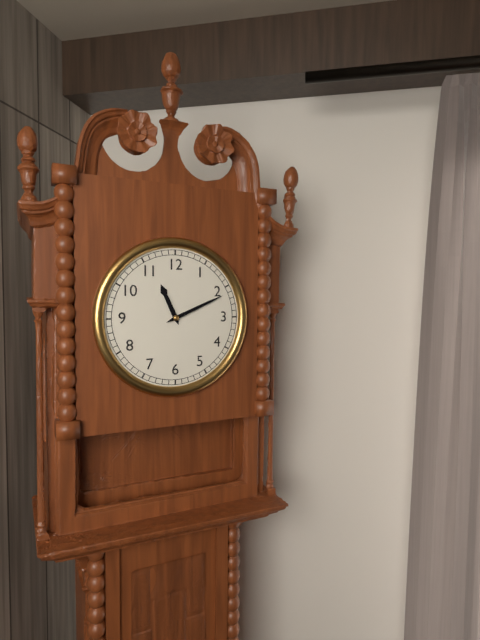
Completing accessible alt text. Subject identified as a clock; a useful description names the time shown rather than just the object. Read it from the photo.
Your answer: 11:11
